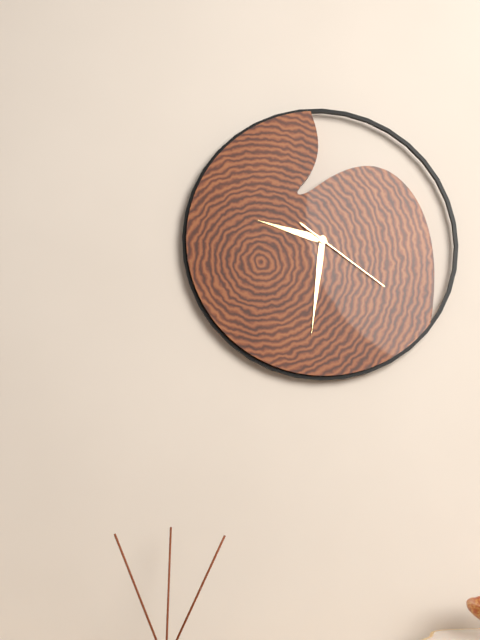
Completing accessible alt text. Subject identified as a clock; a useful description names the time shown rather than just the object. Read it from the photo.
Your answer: 9:31:21
